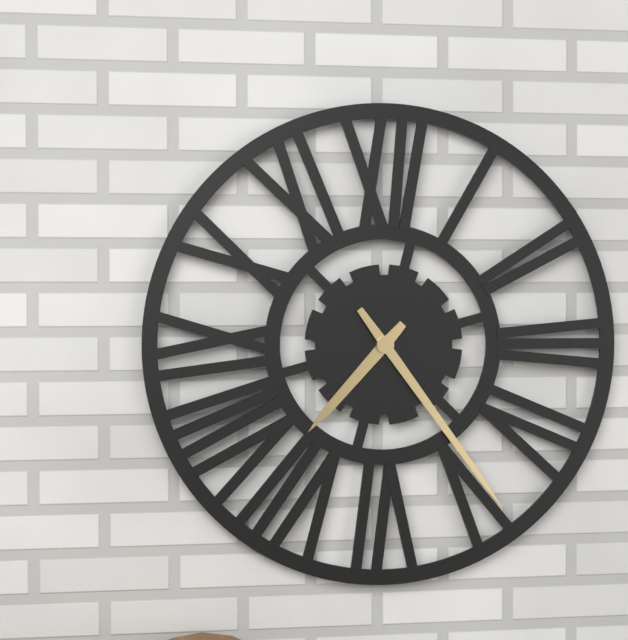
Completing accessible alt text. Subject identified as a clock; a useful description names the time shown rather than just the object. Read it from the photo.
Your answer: 7:24
